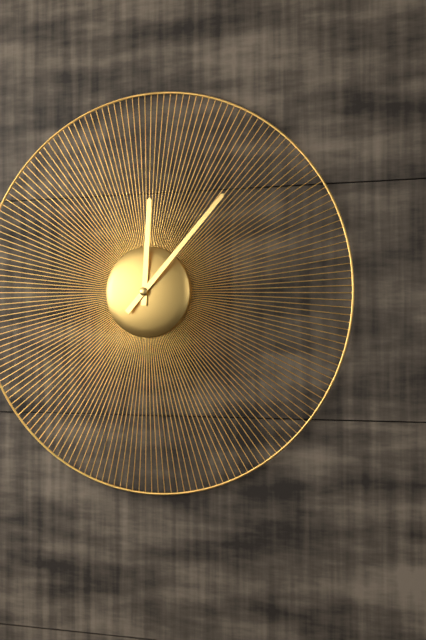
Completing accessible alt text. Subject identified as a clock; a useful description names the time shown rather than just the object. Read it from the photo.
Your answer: 12:07
